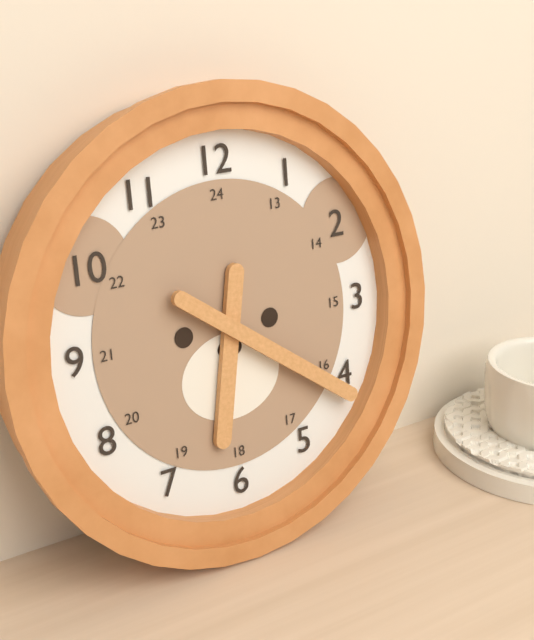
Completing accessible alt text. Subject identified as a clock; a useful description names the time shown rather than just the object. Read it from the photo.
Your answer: 6:21
